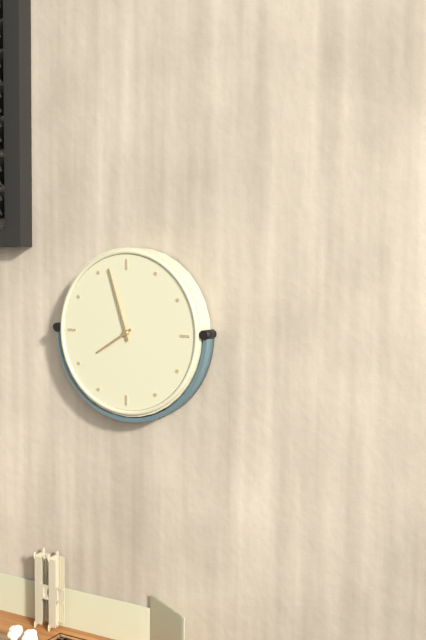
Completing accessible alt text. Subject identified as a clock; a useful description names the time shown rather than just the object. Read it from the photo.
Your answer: 7:57
